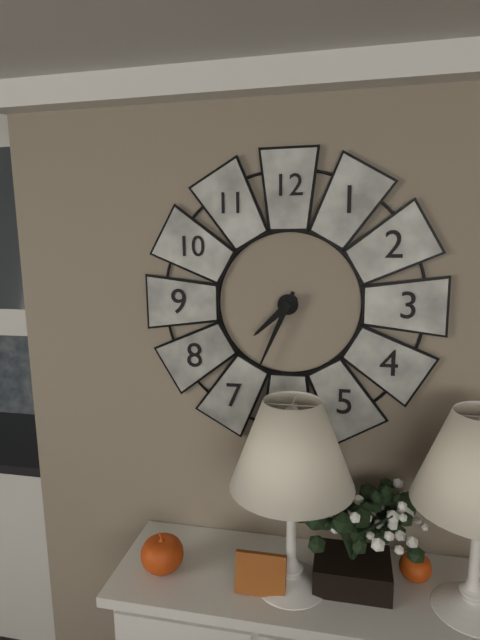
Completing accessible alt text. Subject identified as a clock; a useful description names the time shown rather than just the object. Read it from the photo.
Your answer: 7:34
